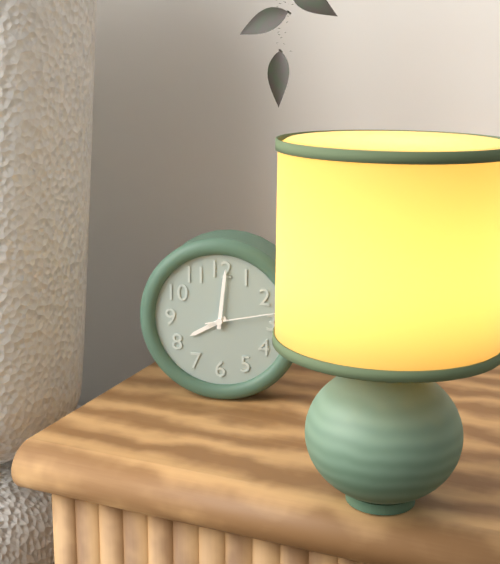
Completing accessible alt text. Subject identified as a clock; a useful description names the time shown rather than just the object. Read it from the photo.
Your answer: 8:01:13
